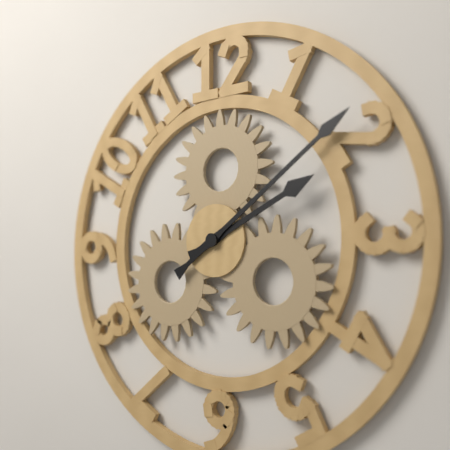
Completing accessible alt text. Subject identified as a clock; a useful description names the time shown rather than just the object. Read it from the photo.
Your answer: 2:09
